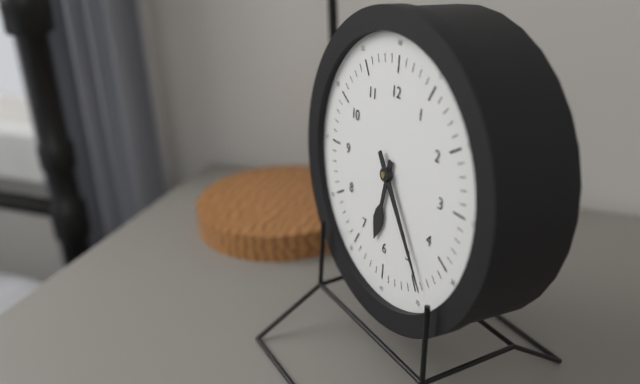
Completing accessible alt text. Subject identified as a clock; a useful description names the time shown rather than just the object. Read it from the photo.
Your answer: 6:24
